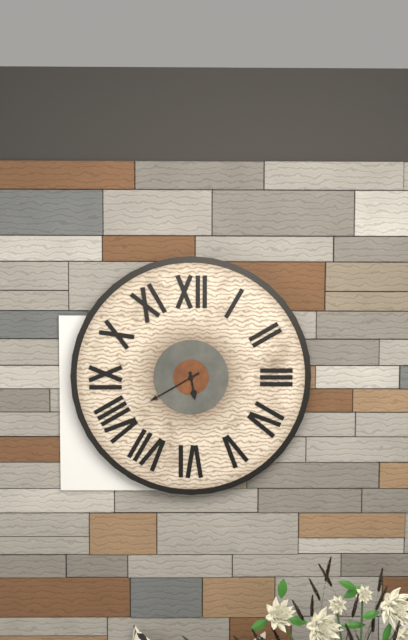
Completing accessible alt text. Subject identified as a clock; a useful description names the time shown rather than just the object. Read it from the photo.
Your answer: 5:40
